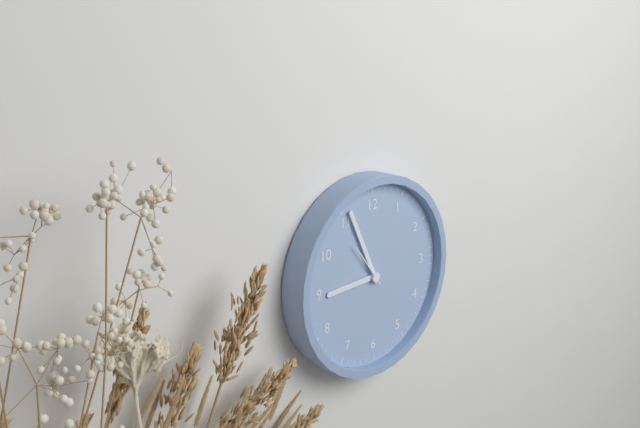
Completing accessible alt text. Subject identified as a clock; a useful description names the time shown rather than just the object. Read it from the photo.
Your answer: 8:56
